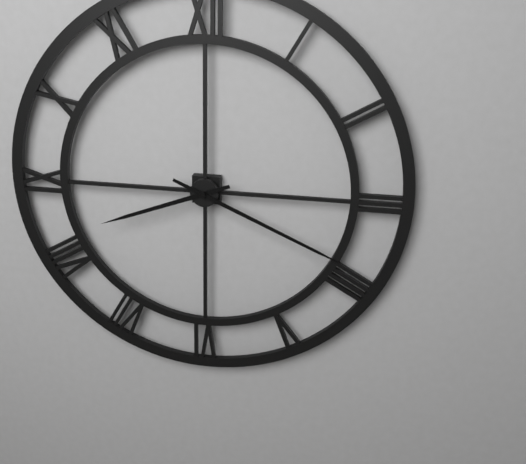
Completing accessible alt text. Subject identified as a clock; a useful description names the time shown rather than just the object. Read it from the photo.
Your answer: 8:19
